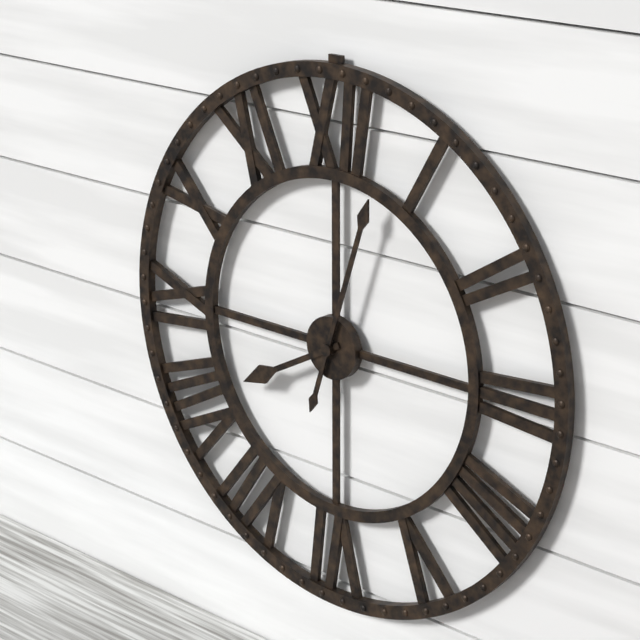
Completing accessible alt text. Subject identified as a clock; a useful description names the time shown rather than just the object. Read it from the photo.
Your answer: 8:03
